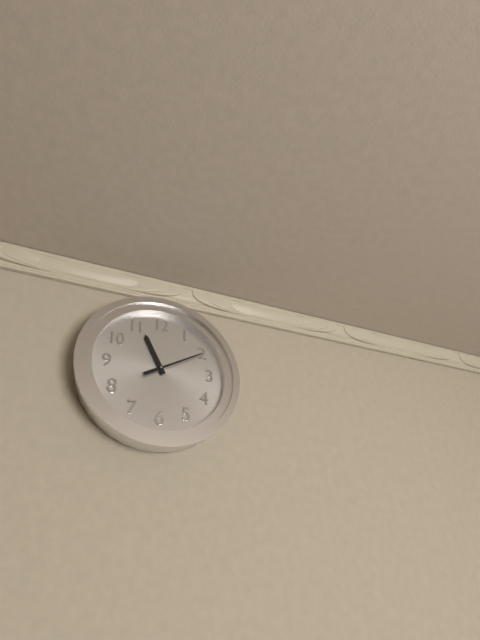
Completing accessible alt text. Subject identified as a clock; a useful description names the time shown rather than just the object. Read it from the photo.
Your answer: 11:10
